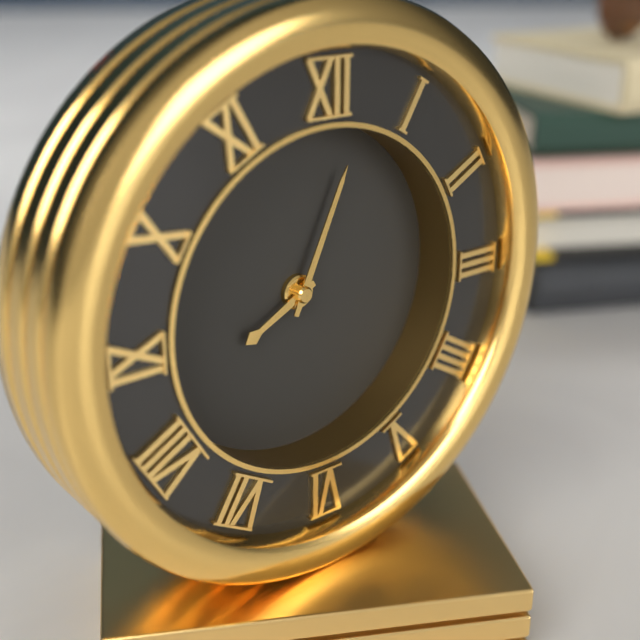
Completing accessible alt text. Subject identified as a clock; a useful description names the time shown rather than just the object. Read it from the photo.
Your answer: 8:04
